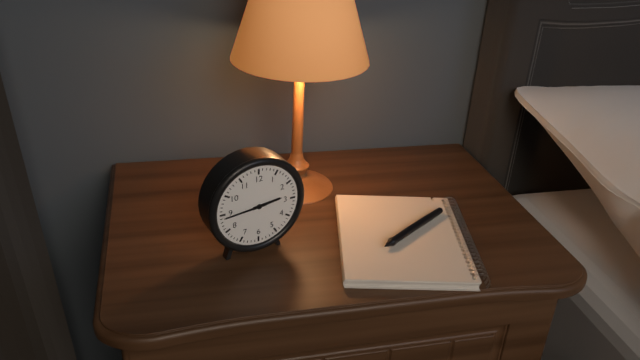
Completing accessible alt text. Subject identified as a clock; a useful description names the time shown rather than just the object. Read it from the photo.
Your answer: 2:44
